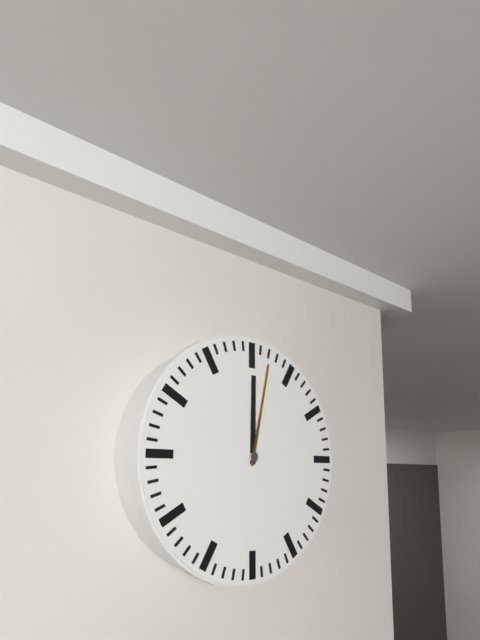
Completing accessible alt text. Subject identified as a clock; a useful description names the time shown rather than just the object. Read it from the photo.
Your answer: 12:02
